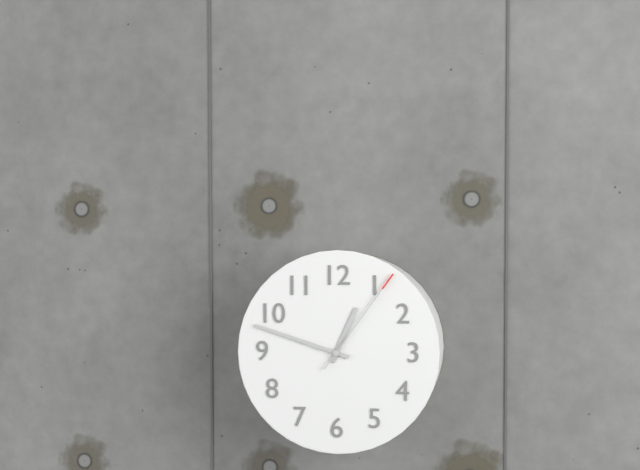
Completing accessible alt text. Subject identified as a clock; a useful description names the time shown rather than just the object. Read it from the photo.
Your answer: 12:48:06
